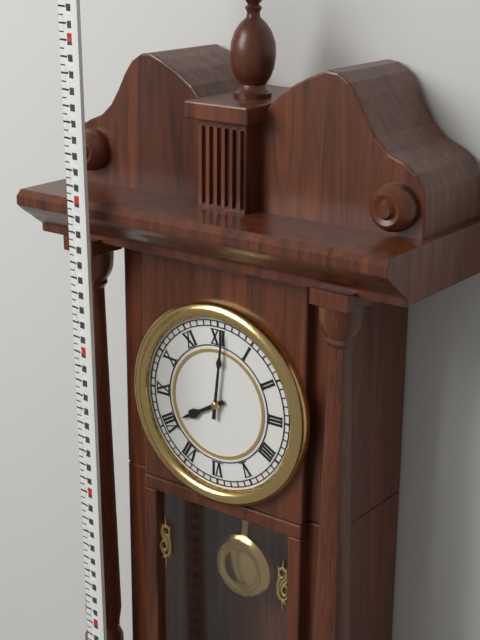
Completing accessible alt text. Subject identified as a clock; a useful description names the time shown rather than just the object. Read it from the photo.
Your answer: 8:01
